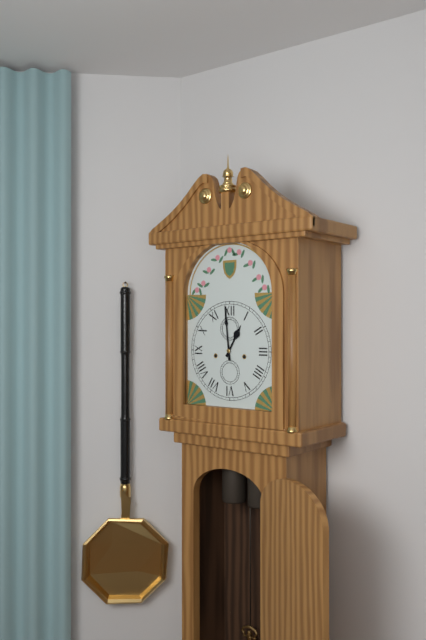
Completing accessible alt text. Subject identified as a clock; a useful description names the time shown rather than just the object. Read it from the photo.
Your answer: 12:59
